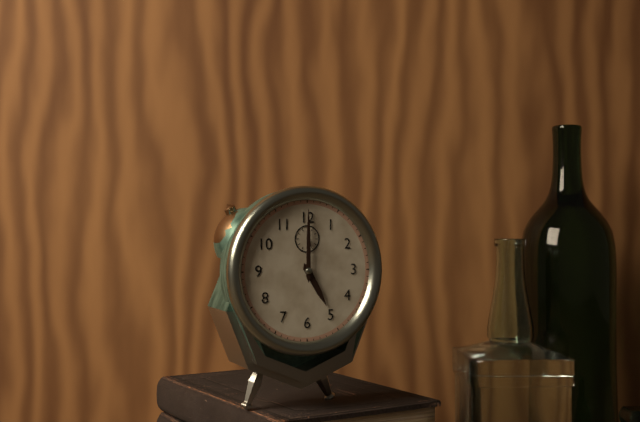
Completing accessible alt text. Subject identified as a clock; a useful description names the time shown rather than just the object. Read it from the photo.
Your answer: 5:00
